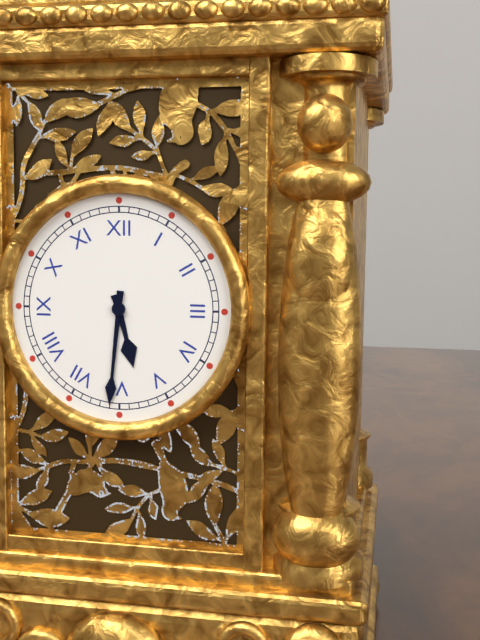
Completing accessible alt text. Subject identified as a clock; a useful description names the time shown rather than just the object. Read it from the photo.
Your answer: 5:31
